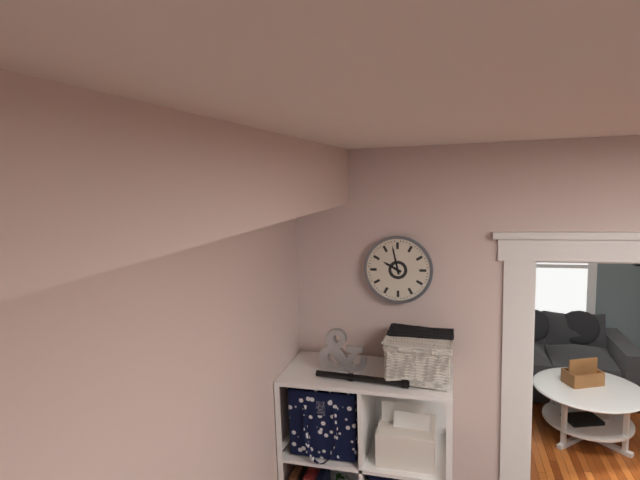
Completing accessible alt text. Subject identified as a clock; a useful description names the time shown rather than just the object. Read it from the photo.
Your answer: 9:58
